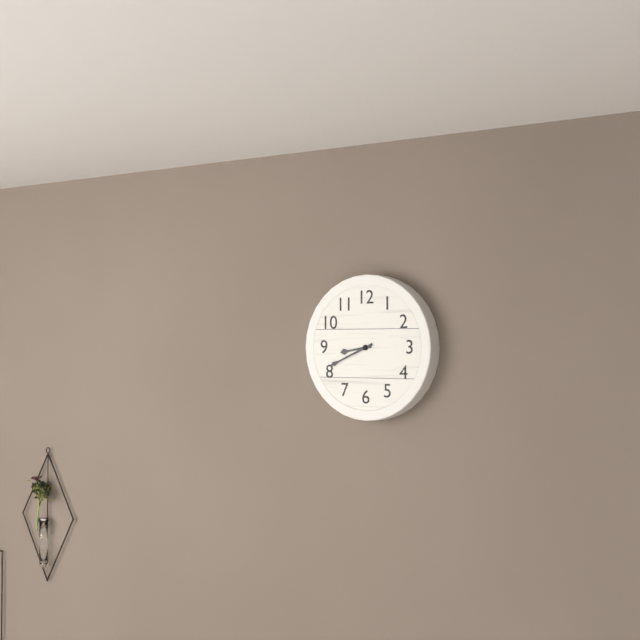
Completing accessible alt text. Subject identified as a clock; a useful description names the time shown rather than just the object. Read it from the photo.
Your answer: 8:41
